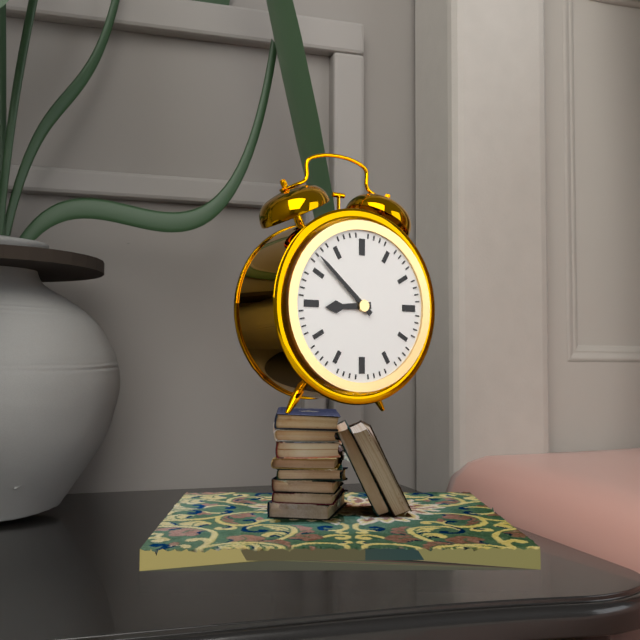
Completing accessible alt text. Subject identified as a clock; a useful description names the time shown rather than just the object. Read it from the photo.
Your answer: 8:52
